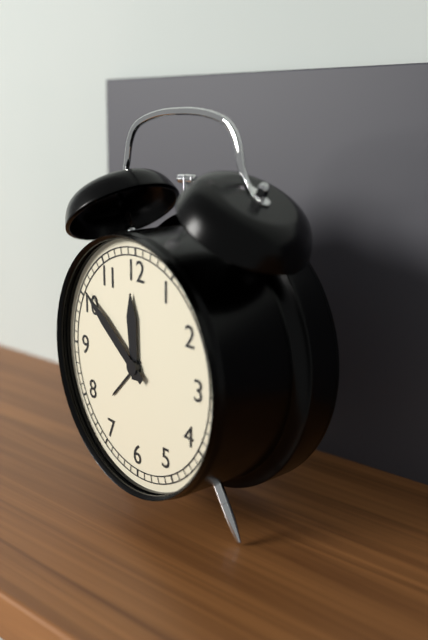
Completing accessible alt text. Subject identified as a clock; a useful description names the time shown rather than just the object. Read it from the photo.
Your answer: 11:51
